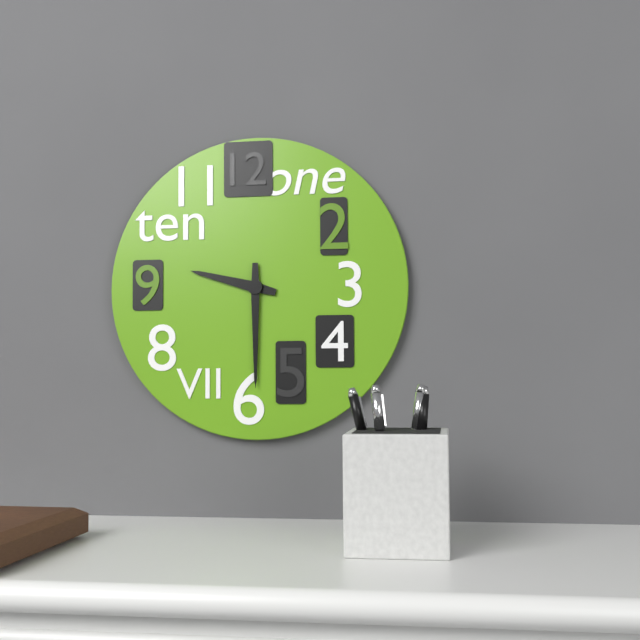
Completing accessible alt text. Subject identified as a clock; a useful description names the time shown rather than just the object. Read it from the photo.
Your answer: 9:30
